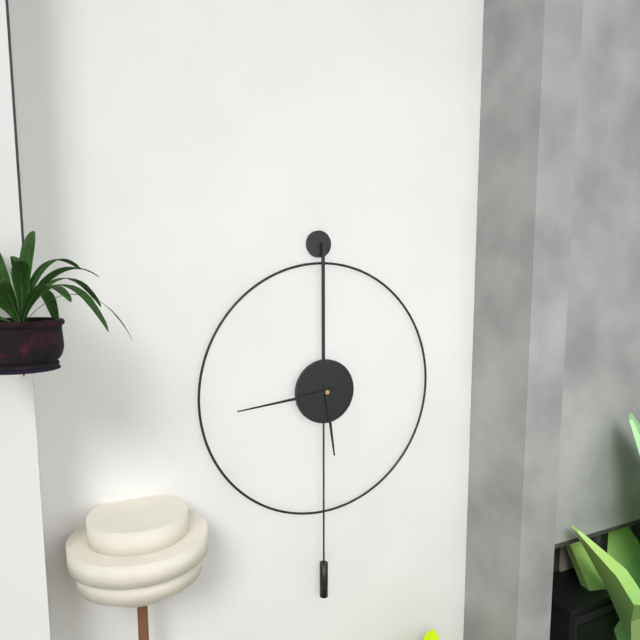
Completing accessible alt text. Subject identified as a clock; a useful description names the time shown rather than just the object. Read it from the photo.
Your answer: 5:44
